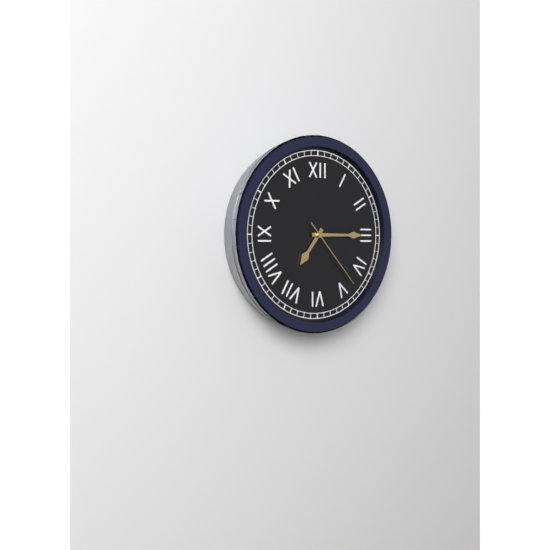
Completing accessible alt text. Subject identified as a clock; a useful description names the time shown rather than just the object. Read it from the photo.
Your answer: 7:15:23
